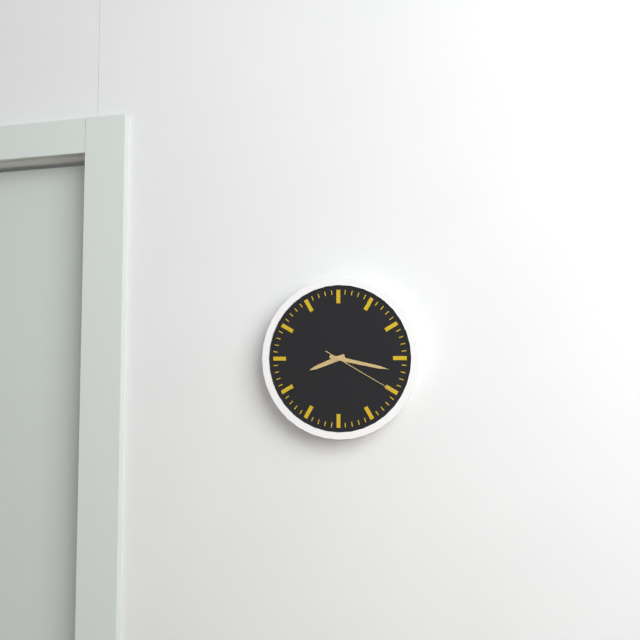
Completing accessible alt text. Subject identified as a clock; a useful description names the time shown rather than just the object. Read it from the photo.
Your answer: 8:17:20
